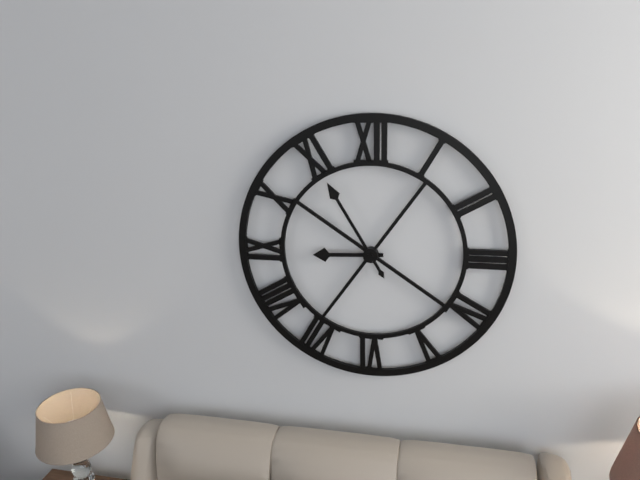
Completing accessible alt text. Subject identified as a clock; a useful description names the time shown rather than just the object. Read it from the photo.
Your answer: 8:55
